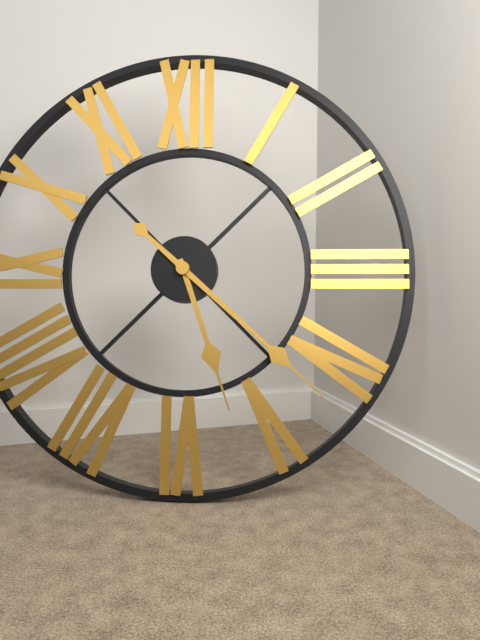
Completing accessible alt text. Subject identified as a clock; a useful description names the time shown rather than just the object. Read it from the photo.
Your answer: 5:22
